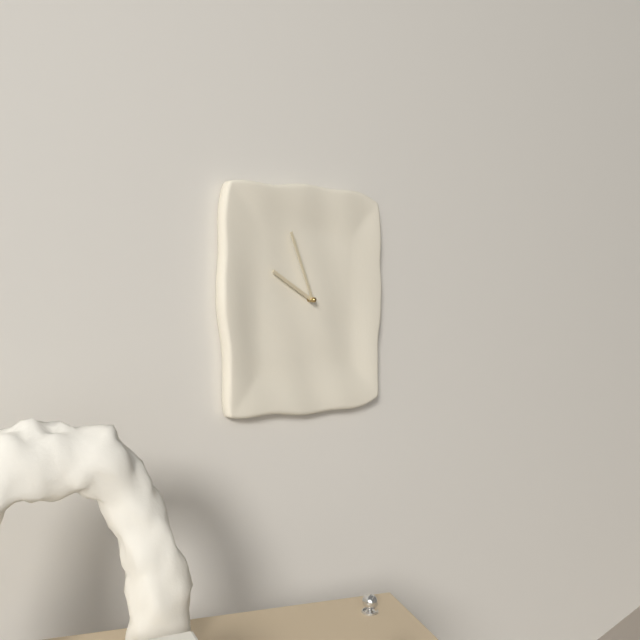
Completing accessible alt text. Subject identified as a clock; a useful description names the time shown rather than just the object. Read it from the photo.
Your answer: 9:56
